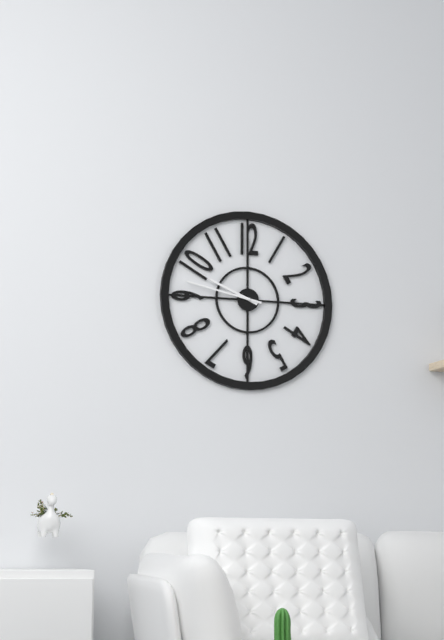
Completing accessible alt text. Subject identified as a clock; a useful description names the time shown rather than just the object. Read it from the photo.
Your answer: 9:47
